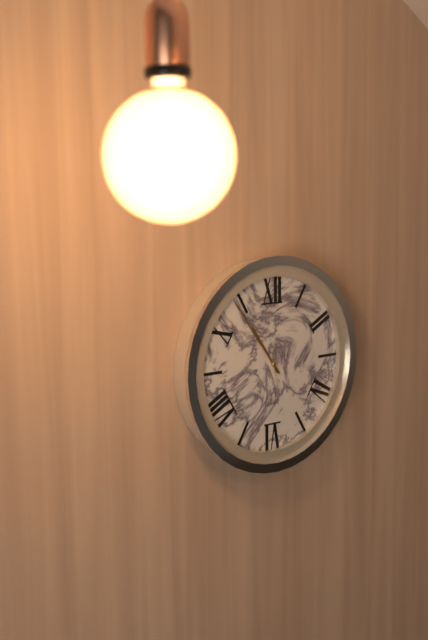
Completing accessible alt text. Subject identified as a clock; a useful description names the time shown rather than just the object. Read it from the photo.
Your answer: 10:54
